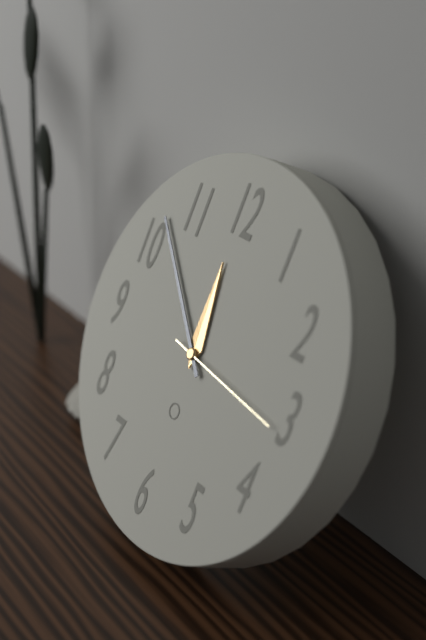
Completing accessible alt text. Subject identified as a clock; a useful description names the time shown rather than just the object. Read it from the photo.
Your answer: 11:52:16
